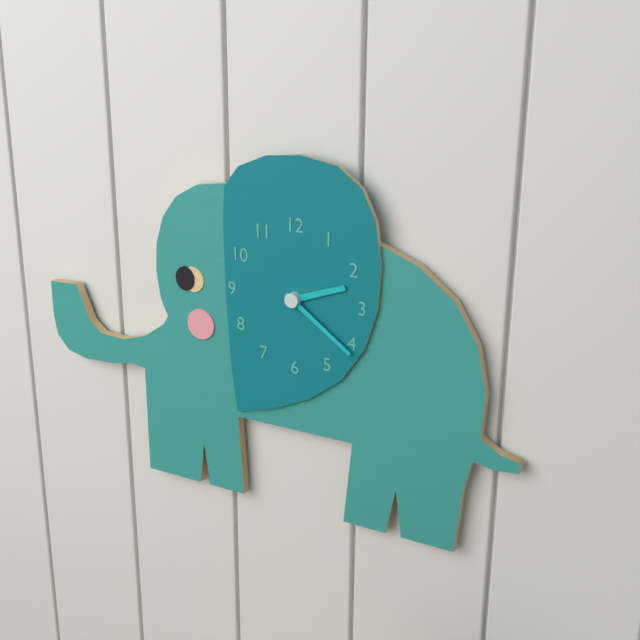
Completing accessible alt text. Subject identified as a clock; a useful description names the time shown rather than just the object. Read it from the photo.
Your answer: 2:21
